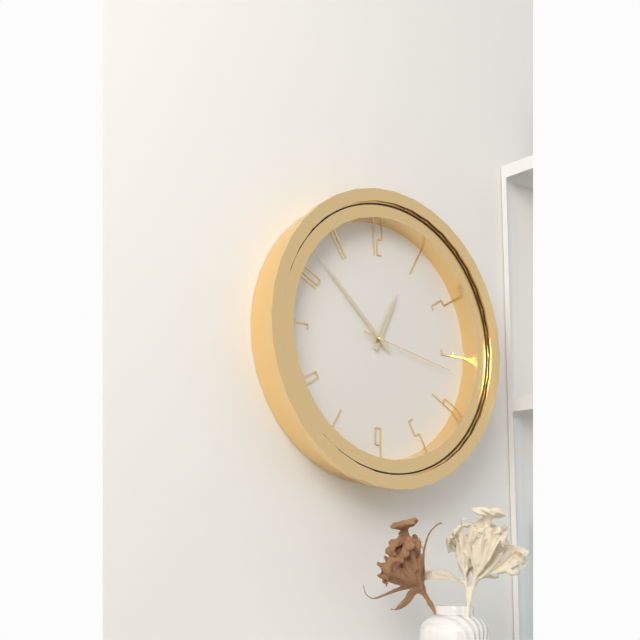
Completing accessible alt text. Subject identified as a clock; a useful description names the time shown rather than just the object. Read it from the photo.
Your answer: 12:52:17
